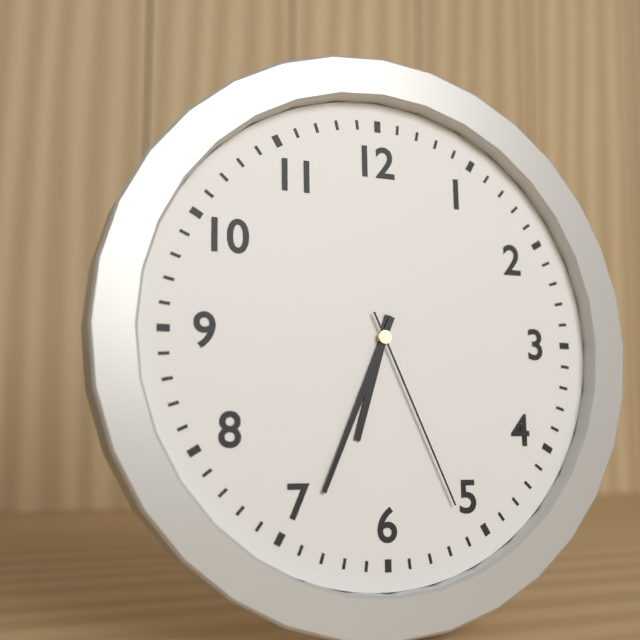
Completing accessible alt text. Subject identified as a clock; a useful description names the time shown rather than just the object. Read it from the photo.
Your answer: 6:34:26
